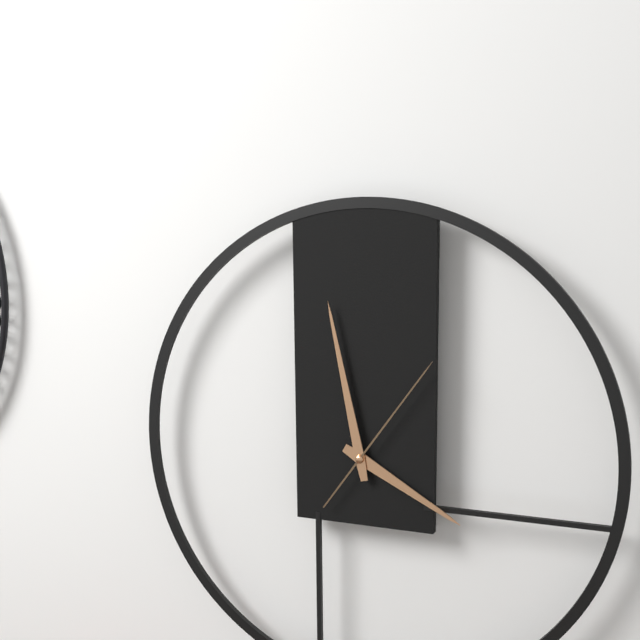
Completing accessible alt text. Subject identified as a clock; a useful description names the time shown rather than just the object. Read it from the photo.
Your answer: 3:58:06
